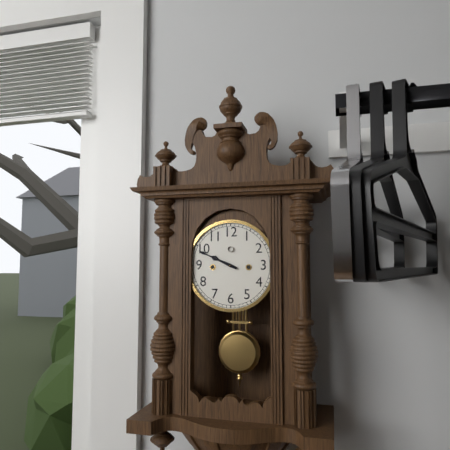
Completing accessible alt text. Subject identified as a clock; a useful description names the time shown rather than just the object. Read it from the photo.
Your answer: 9:49
